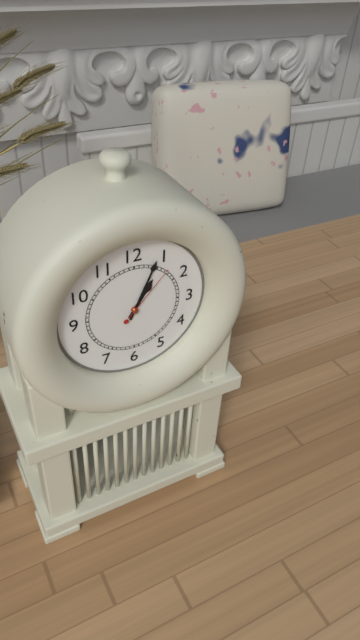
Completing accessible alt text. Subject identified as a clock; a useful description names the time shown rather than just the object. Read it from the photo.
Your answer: 1:04:07
